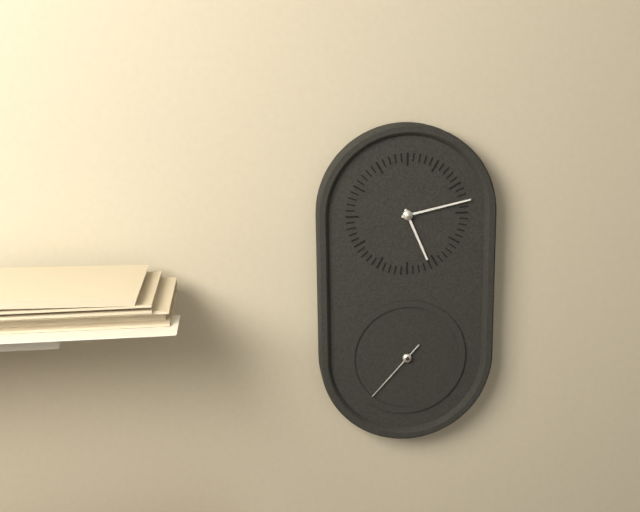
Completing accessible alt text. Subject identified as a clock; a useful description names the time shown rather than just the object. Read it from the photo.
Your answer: 5:13:37
